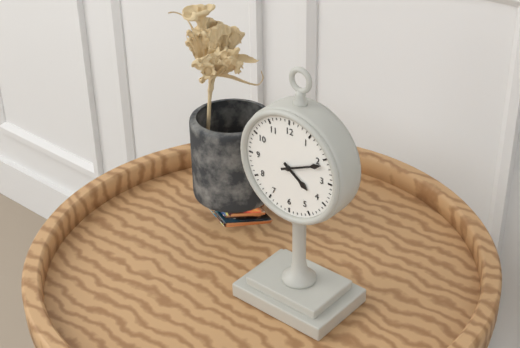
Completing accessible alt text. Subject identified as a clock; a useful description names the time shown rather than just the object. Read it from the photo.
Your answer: 4:11
